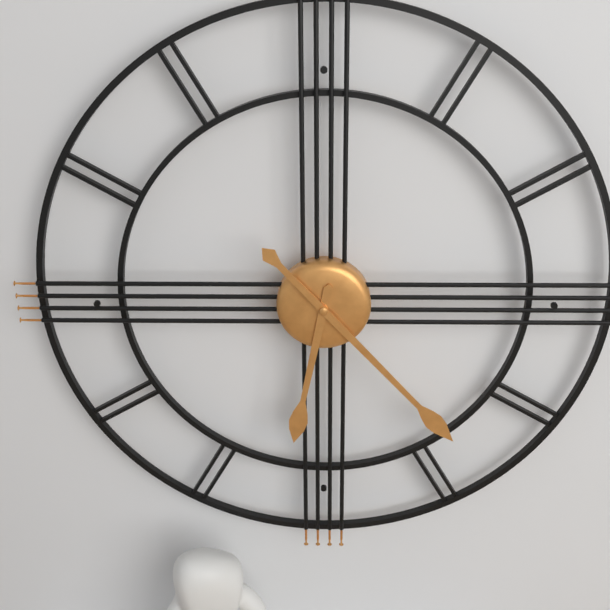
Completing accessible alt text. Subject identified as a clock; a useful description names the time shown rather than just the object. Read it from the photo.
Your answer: 6:23
